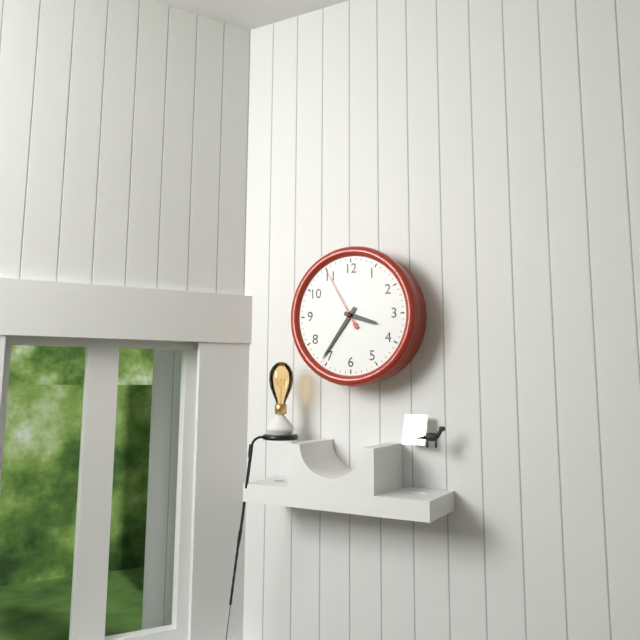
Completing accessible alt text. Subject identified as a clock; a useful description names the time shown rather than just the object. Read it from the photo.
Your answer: 3:36:55
